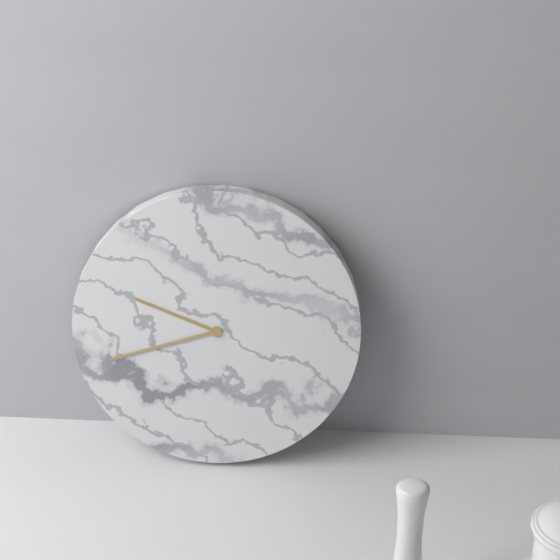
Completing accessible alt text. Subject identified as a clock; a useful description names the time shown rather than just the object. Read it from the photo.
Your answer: 9:42
